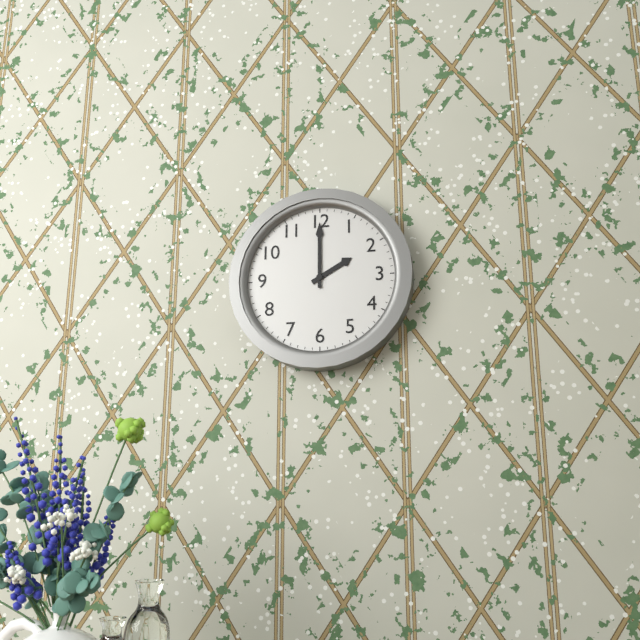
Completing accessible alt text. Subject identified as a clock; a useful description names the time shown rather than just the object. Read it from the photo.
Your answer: 2:00
